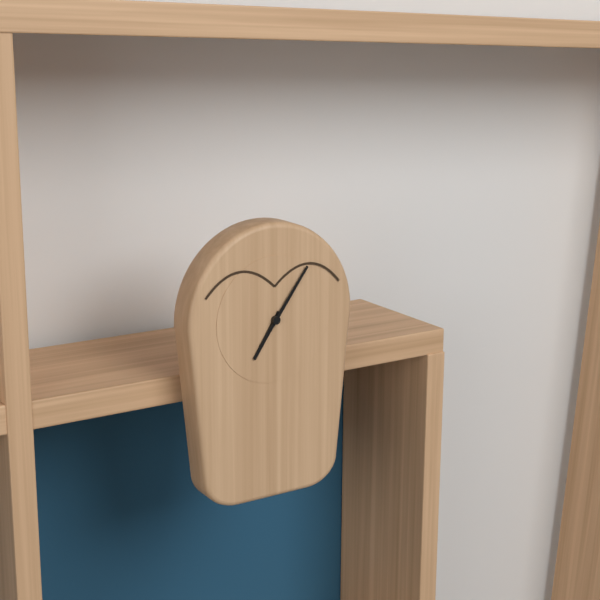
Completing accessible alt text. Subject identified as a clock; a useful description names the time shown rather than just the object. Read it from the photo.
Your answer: 7:06
